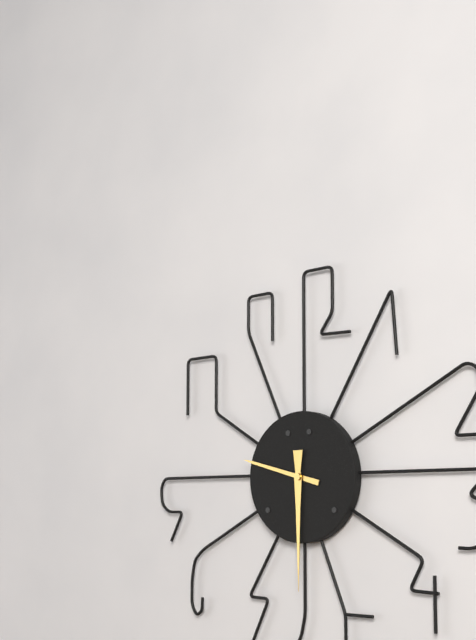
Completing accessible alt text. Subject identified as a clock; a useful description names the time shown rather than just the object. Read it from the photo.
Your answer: 9:30
